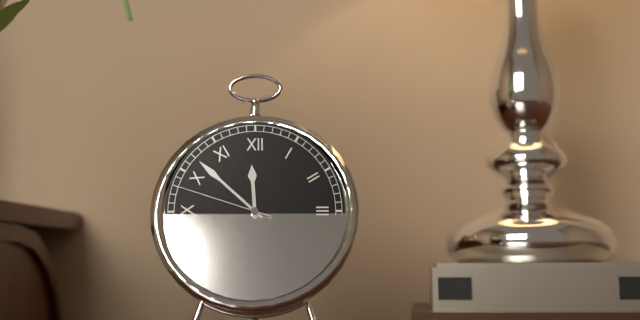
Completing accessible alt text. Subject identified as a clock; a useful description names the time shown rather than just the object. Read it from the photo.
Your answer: 11:52:48
